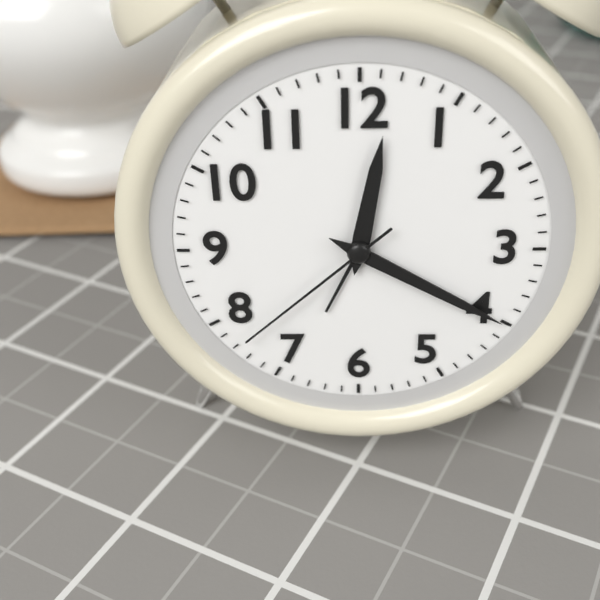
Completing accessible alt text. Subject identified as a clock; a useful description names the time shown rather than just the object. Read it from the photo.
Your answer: 12:20:38
